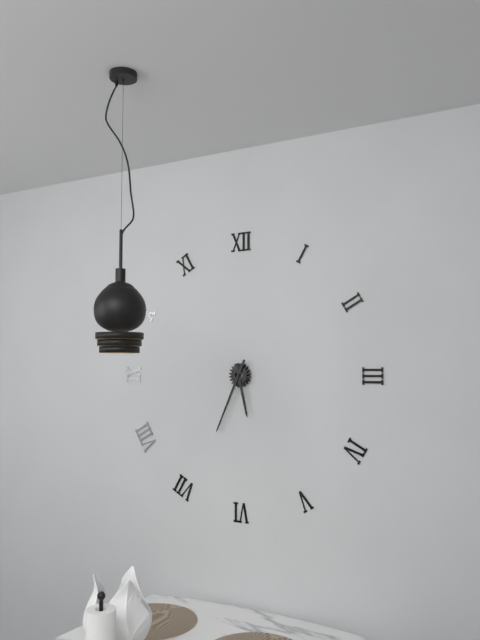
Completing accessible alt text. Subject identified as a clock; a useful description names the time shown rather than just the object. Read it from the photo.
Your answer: 5:34
